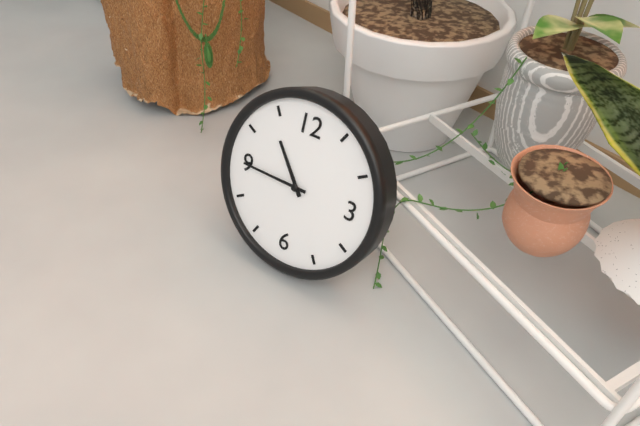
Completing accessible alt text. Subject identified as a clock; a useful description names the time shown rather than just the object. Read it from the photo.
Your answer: 10:45
